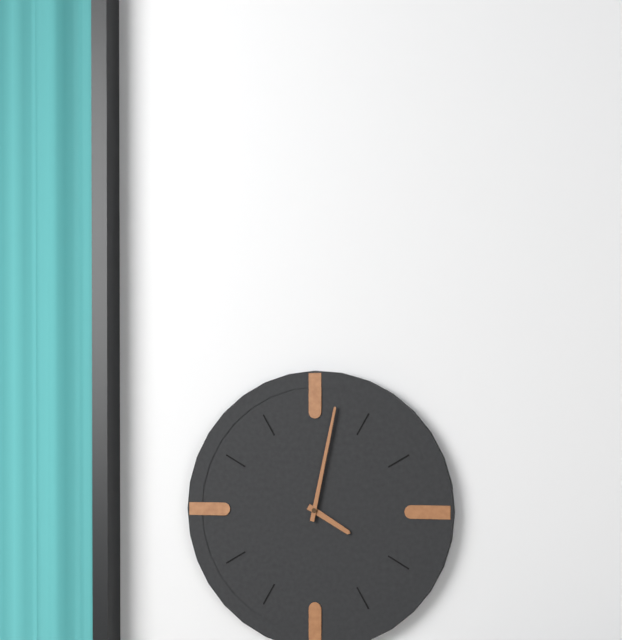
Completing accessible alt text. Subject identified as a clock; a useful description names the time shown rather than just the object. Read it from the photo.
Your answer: 4:02
